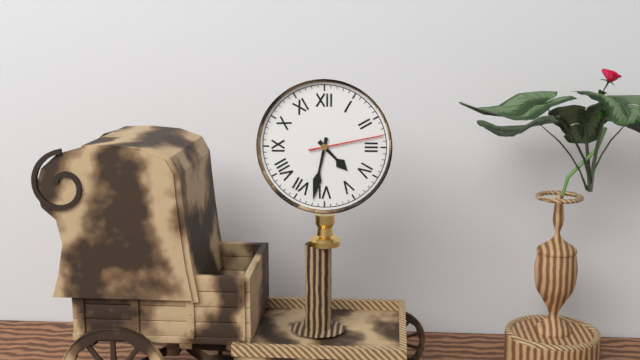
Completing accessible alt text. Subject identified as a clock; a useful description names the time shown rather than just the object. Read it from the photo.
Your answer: 4:32:13
